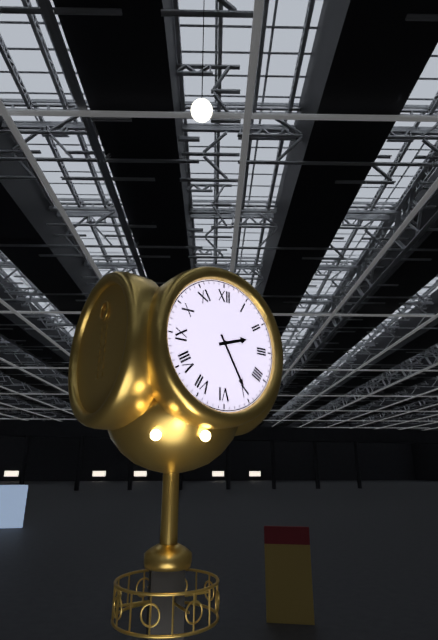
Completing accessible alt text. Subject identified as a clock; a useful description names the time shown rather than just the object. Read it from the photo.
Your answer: 2:25
